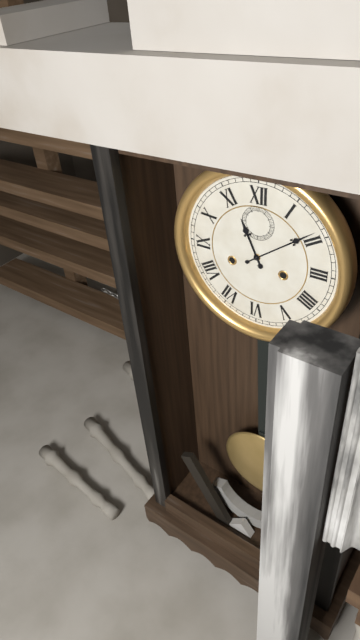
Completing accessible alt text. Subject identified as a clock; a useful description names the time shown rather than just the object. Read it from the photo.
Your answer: 11:09
